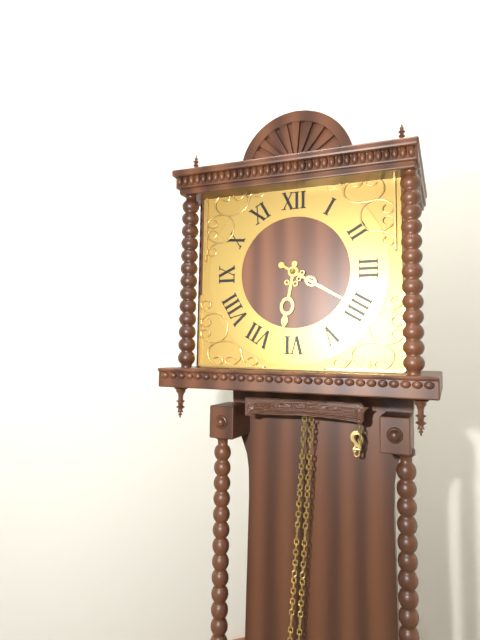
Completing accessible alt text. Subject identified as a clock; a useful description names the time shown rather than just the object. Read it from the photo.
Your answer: 6:20
